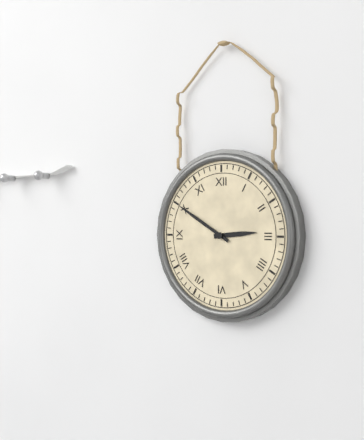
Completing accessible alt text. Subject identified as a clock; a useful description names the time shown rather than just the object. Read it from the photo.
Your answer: 2:50
